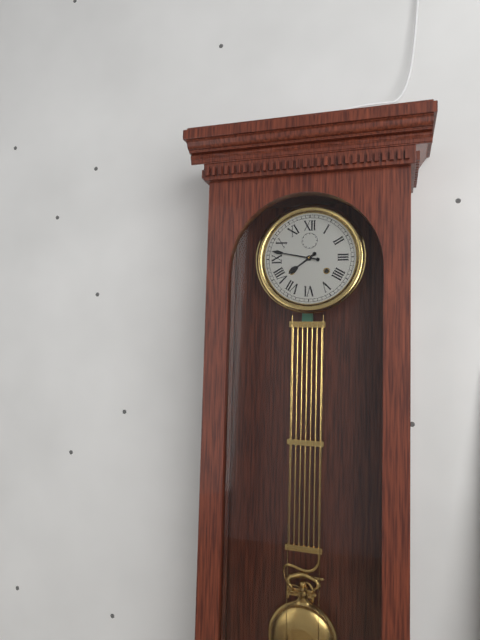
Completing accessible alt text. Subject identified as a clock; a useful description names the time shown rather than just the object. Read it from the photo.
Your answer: 7:47
